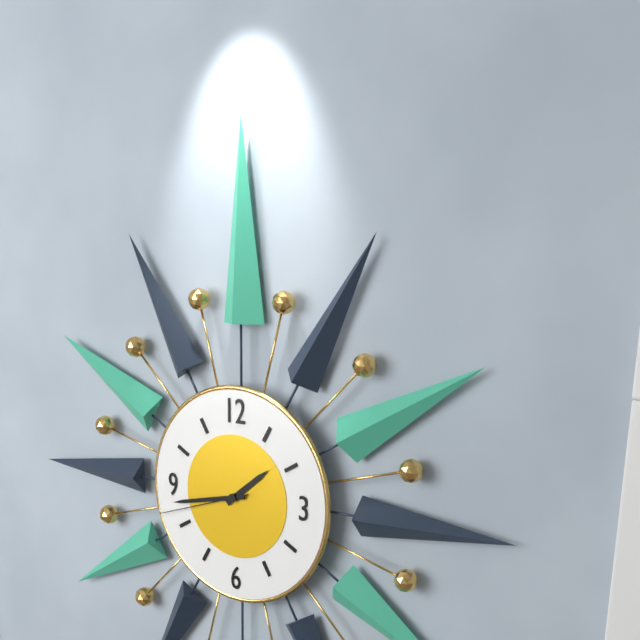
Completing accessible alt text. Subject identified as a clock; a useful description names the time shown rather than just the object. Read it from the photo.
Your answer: 1:43:42
